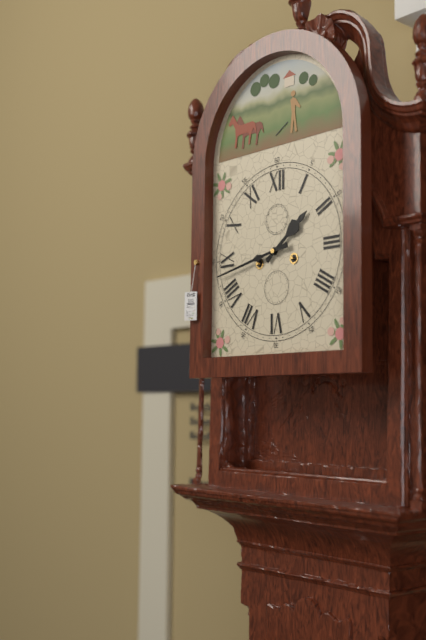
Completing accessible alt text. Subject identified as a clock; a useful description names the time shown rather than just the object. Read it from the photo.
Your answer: 1:43
